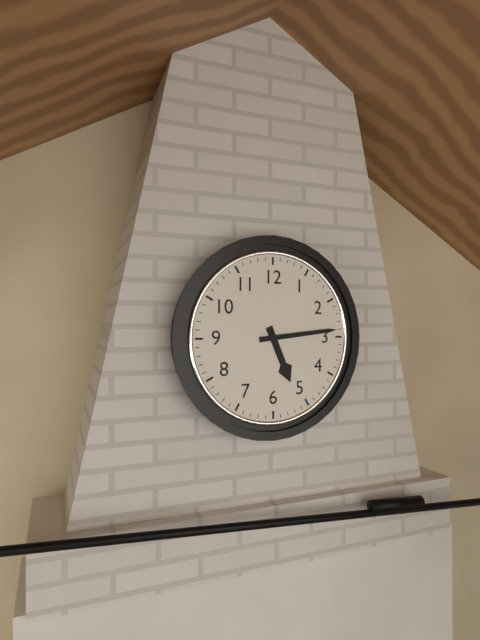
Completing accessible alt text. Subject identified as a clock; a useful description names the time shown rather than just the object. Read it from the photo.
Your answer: 5:14
